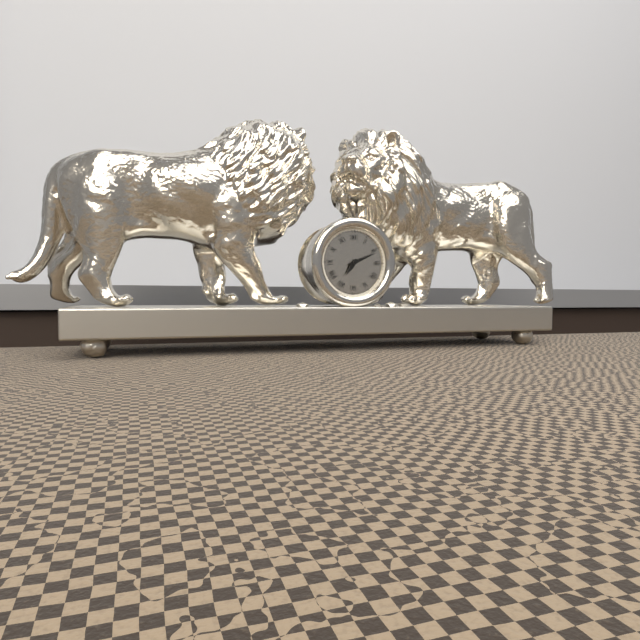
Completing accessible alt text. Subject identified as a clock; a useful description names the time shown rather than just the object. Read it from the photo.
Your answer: 7:11
